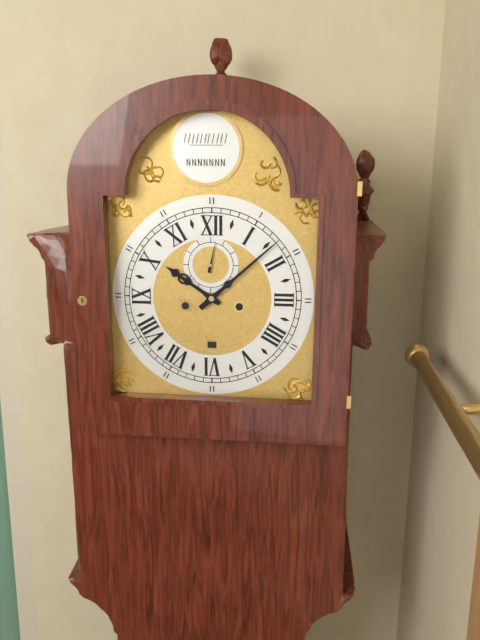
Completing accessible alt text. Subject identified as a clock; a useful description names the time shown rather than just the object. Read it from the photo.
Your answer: 10:08
